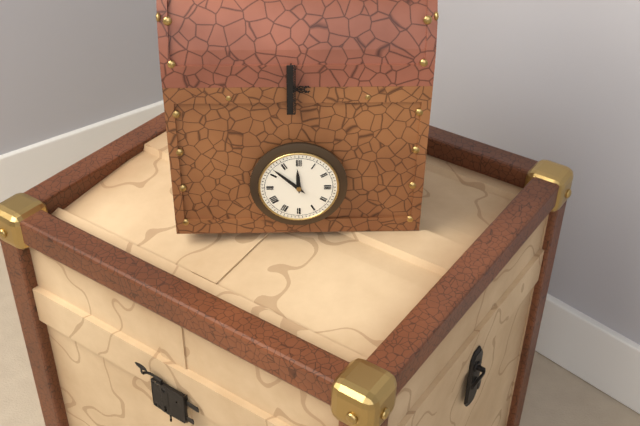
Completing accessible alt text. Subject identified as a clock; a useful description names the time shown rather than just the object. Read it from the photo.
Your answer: 11:52
